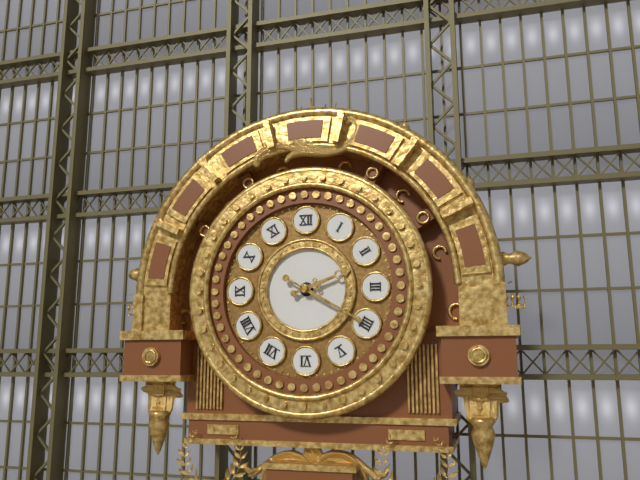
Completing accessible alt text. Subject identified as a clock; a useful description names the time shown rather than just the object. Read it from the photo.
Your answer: 2:20
